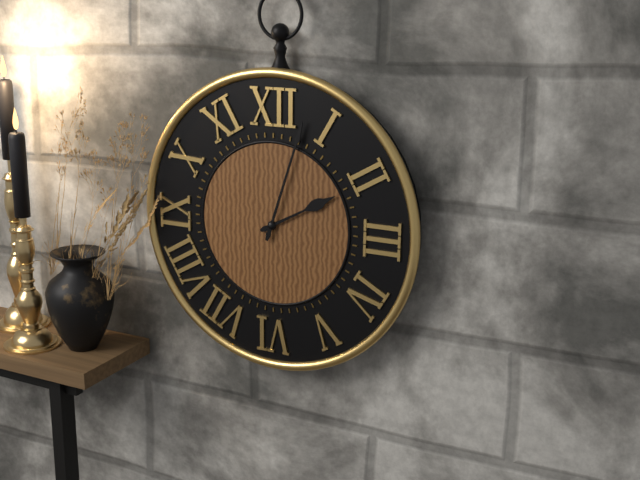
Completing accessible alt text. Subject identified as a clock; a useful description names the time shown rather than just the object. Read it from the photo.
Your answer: 2:03
